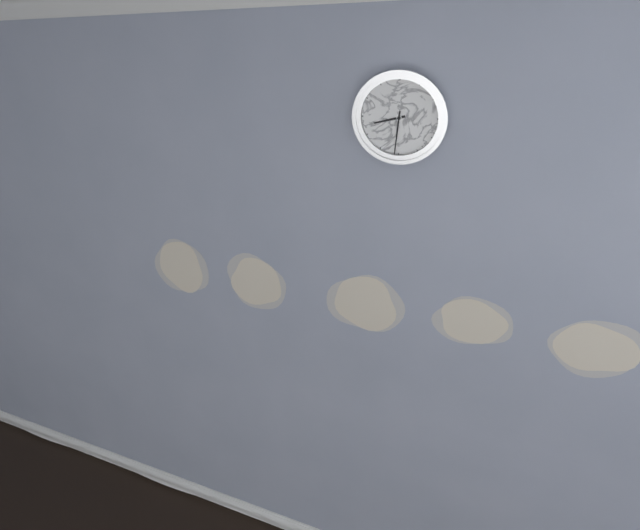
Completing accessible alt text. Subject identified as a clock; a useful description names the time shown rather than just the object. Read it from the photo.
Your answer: 8:31
